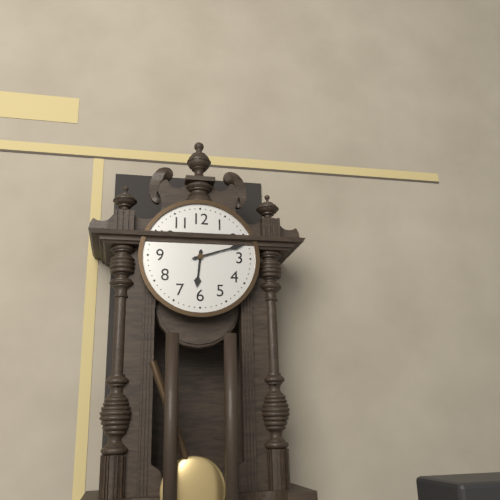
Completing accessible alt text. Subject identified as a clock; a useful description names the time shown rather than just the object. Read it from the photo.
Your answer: 6:12
